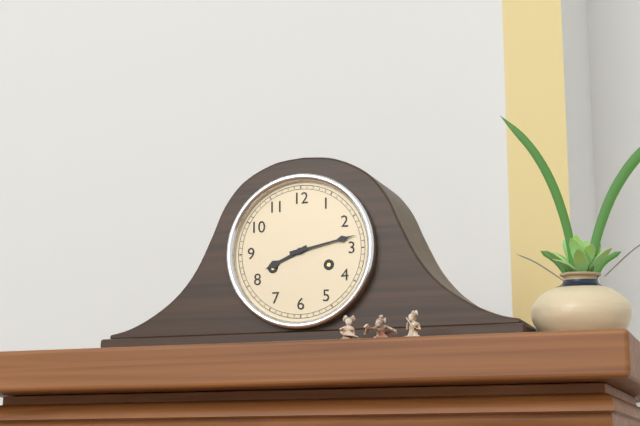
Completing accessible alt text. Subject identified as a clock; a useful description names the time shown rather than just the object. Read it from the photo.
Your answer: 8:13
